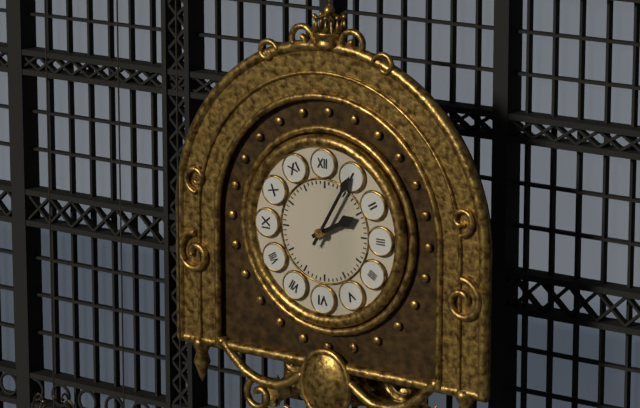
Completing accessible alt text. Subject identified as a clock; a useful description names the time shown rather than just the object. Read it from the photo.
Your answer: 2:05
